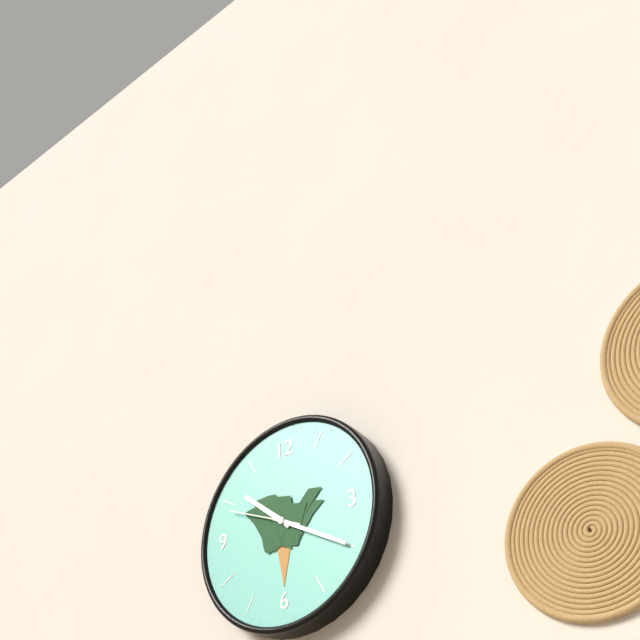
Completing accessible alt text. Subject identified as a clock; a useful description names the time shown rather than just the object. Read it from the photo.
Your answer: 10:20:49
